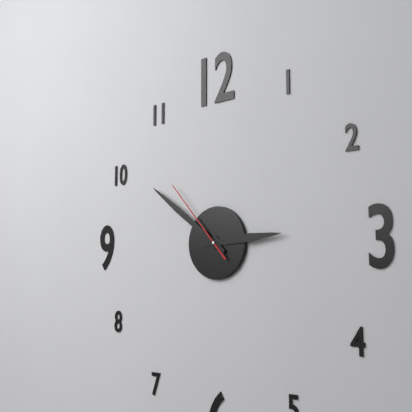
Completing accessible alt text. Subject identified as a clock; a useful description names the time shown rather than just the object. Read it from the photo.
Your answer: 2:51:53
